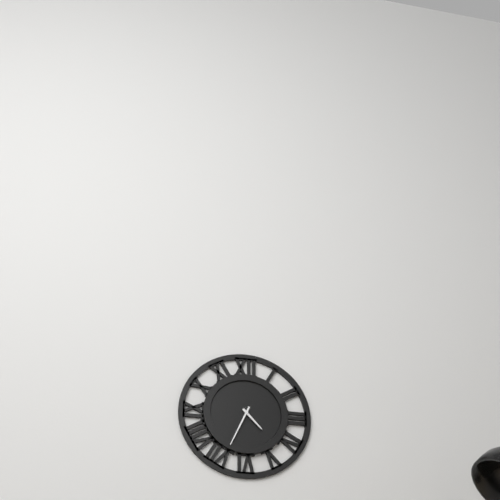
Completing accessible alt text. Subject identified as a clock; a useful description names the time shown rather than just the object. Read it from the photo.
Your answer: 4:34
